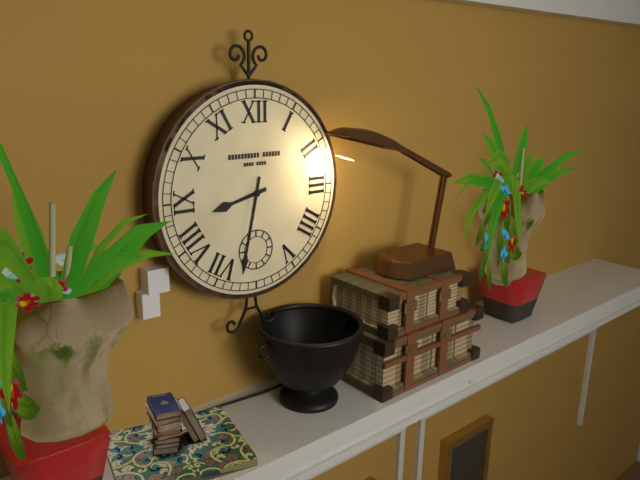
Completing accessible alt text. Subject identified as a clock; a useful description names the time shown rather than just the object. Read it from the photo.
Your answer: 8:32
